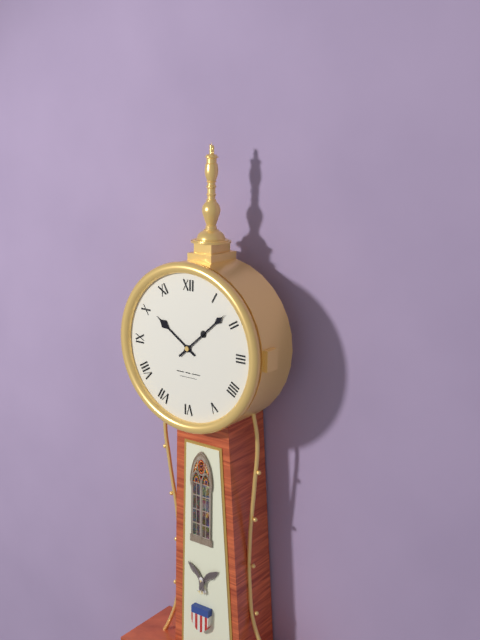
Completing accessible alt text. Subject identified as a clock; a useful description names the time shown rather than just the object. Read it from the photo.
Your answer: 10:08
